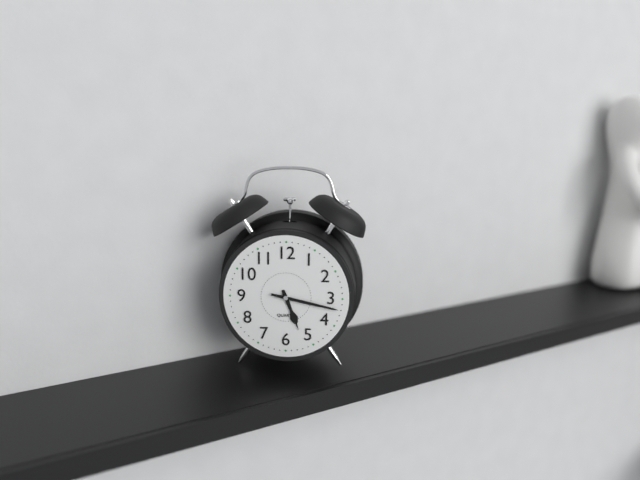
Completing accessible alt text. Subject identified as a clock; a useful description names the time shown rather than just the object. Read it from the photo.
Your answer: 5:17
